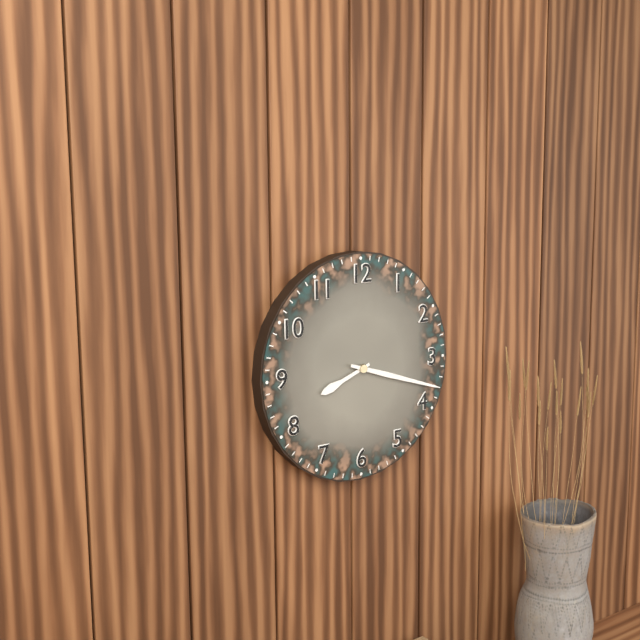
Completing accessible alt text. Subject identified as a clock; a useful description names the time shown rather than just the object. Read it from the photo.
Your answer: 8:18
